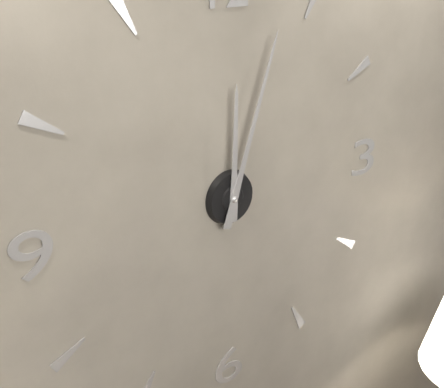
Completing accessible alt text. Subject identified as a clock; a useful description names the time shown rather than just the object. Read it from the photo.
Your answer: 12:03
